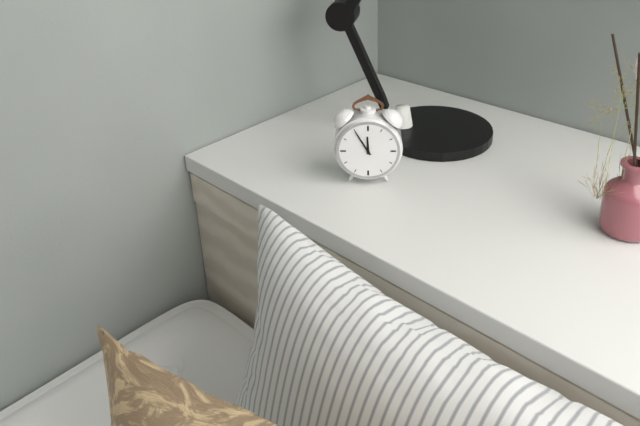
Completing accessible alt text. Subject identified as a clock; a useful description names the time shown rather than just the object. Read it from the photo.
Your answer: 11:55
